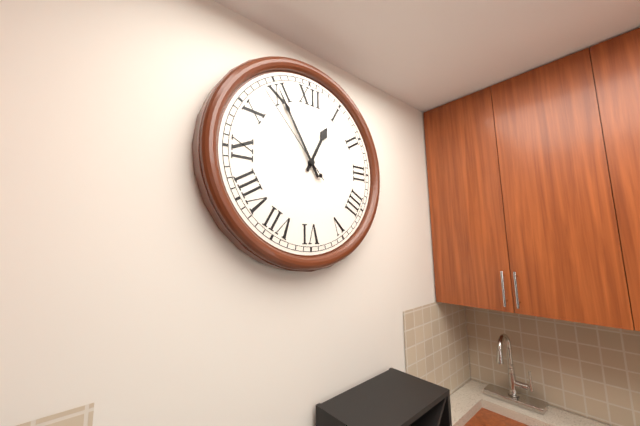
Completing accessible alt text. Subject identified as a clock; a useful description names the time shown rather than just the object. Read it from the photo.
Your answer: 12:55:53
